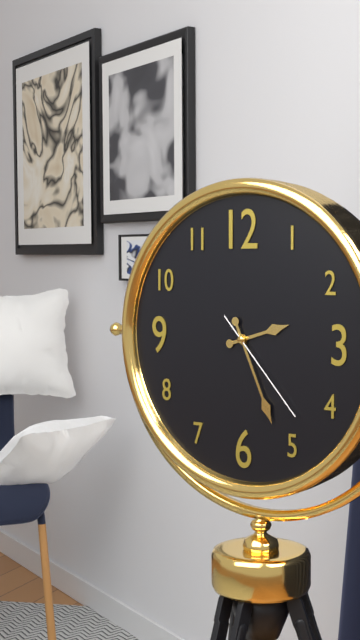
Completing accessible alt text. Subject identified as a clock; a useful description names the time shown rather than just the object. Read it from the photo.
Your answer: 2:26:23
